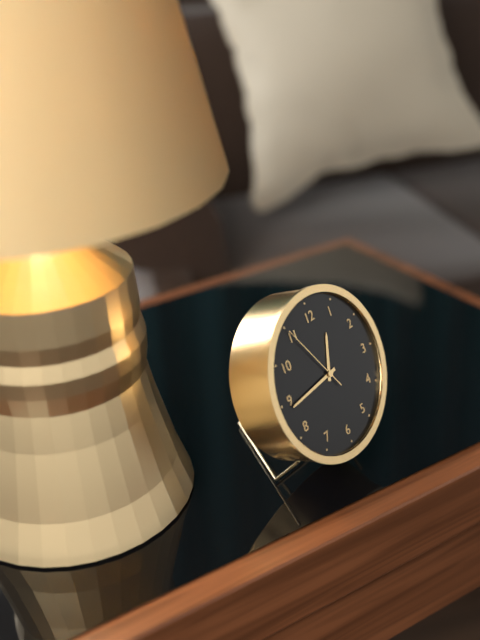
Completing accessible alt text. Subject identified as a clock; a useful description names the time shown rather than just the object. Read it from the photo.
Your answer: 12:44:55
